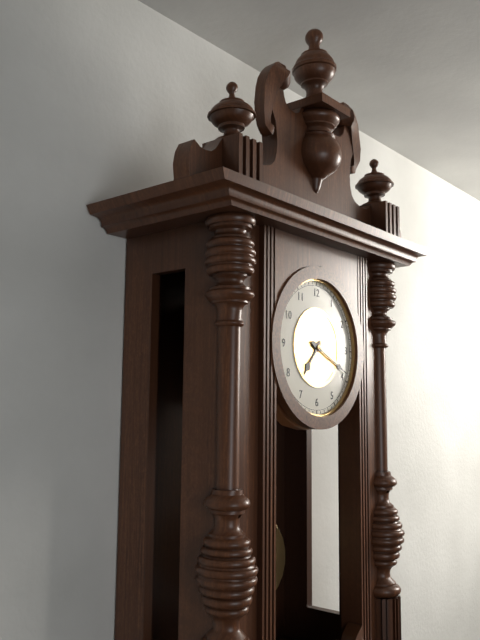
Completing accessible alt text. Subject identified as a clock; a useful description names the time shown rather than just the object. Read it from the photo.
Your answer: 7:19
